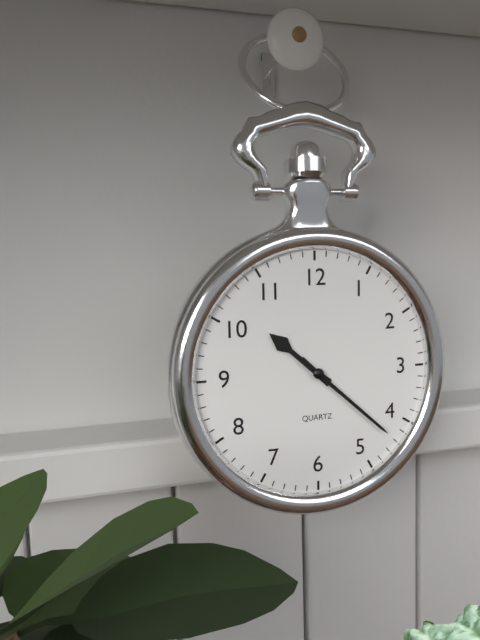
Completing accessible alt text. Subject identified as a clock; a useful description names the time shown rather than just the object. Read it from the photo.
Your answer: 10:22
